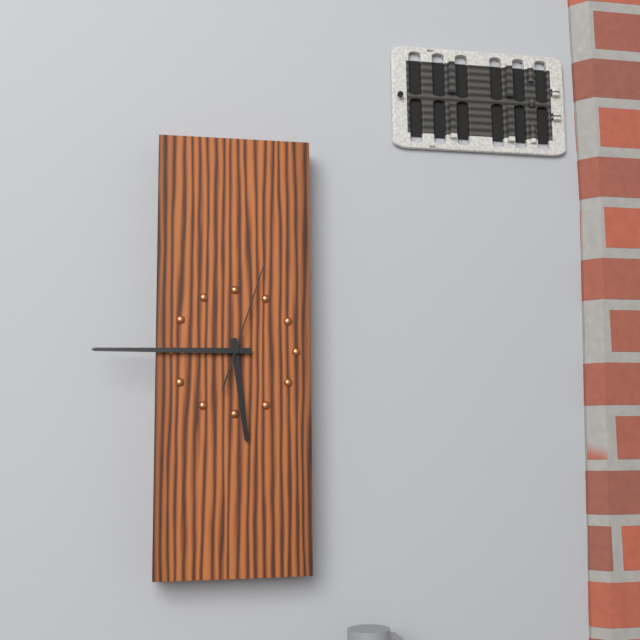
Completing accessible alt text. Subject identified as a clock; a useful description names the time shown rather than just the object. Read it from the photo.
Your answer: 5:45:03
